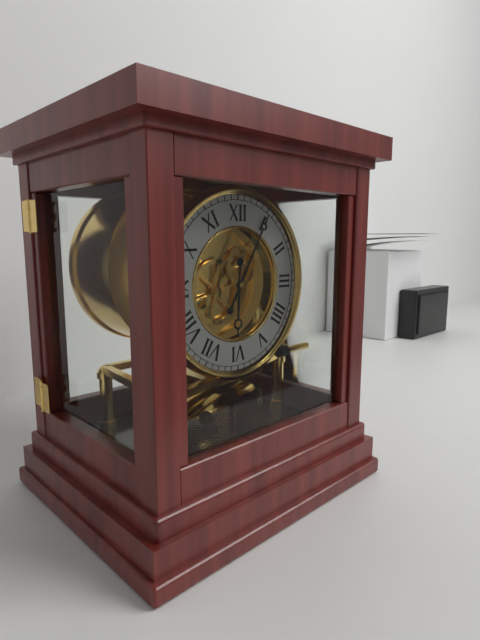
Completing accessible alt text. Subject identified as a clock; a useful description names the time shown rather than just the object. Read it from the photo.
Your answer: 6:05
